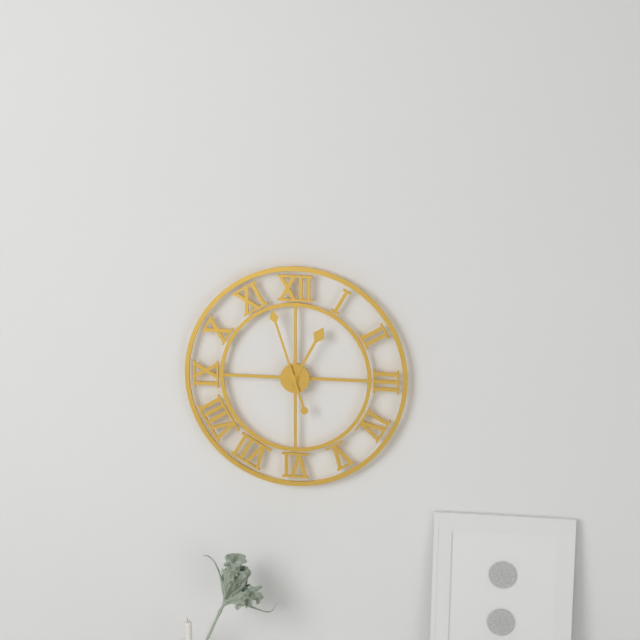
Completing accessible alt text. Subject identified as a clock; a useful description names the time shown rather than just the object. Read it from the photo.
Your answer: 12:57
